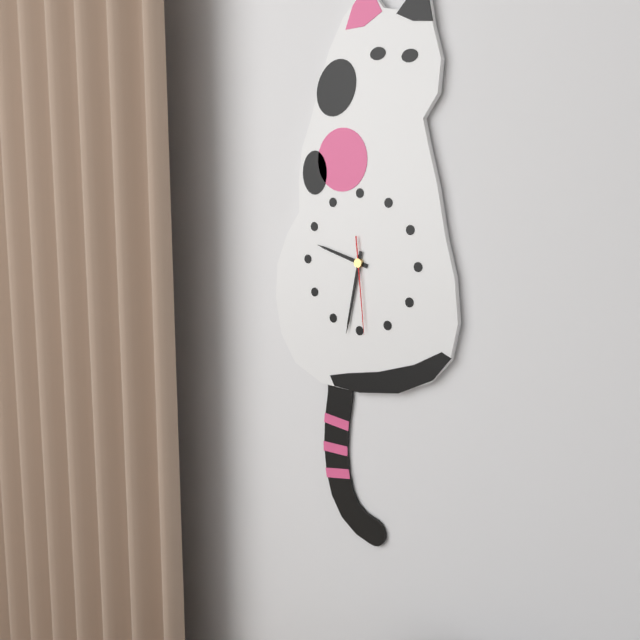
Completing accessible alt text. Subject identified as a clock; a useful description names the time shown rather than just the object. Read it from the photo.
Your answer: 9:32:29
